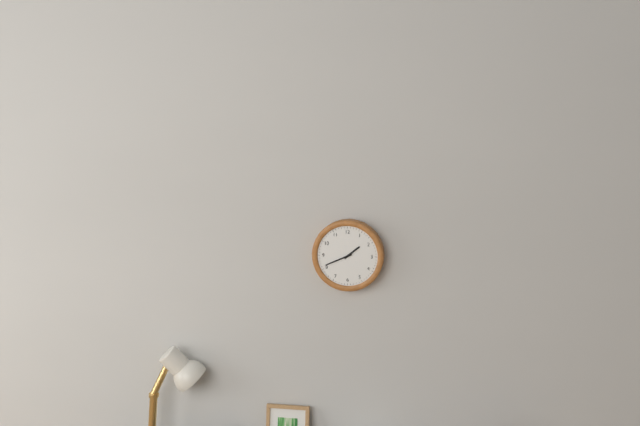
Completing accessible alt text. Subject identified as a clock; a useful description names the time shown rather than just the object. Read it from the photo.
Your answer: 1:41
